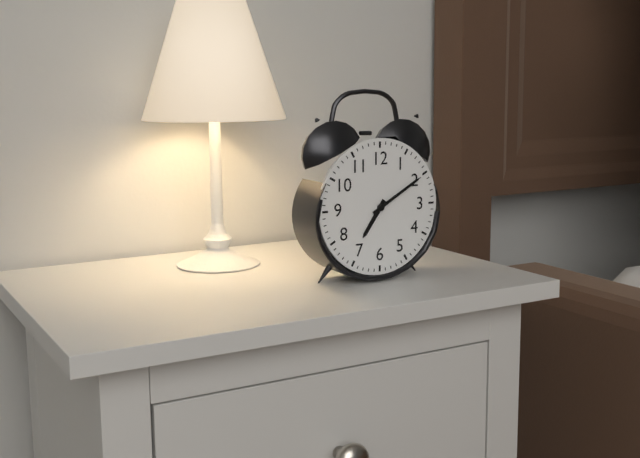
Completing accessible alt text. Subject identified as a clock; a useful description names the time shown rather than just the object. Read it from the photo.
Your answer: 7:10
